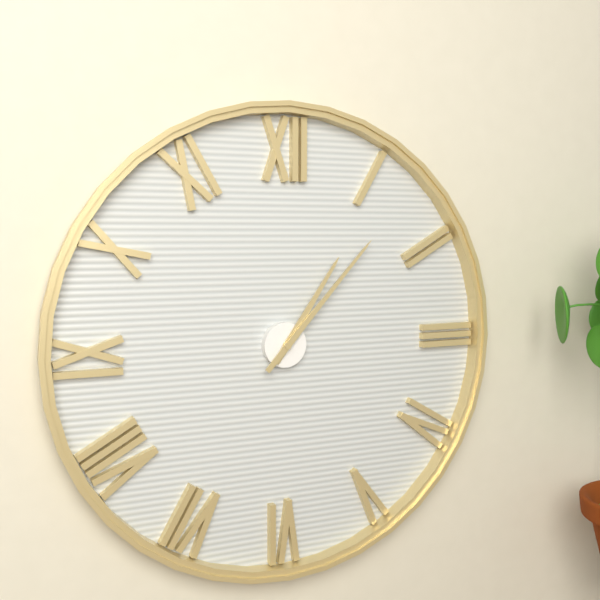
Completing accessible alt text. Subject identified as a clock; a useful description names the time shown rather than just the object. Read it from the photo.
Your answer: 1:07
